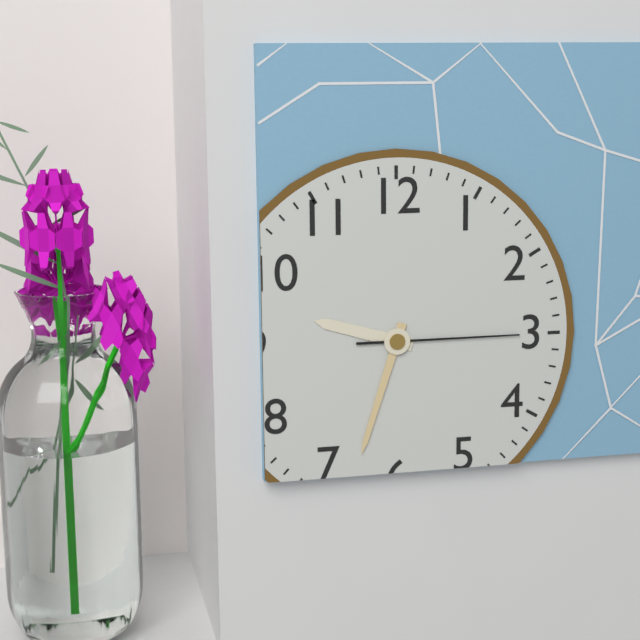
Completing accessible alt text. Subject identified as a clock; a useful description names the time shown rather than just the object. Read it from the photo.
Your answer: 9:33:15
